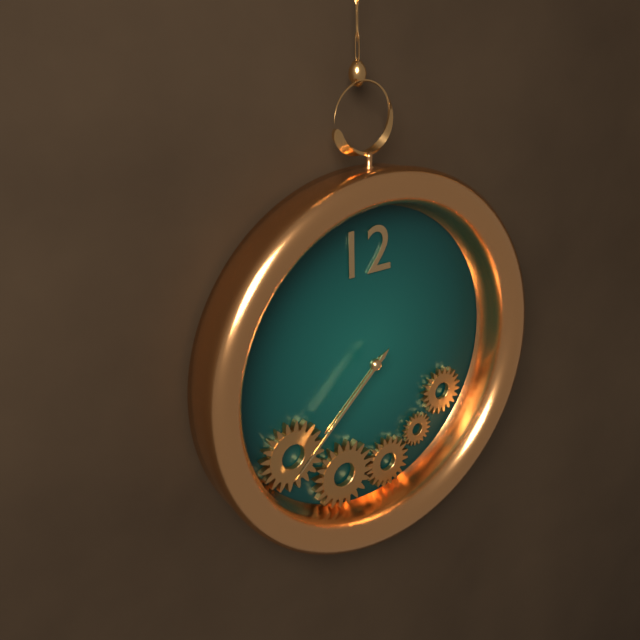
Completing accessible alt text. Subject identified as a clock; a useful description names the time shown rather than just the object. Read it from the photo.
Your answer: 7:38
